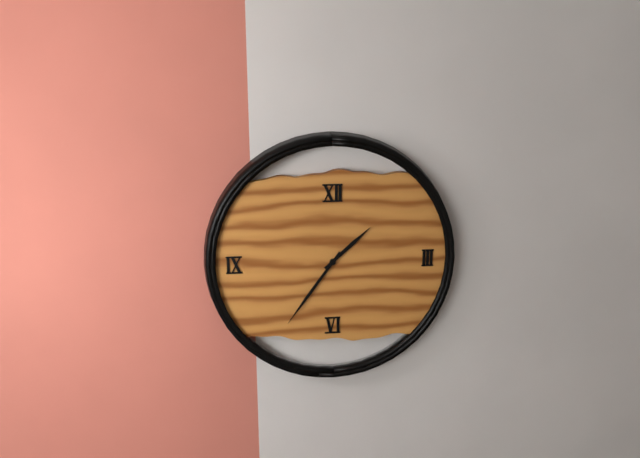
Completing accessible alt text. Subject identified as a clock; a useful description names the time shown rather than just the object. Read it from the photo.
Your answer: 1:36
